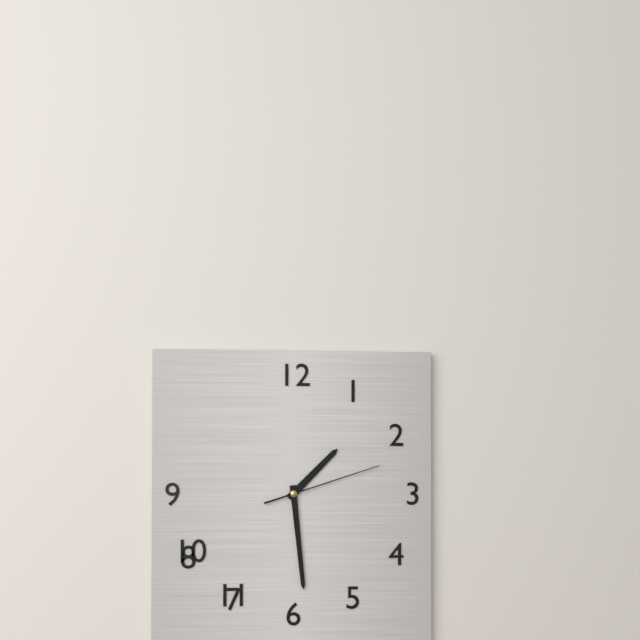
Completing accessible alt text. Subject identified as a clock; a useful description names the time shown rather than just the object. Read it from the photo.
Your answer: 1:29:12
